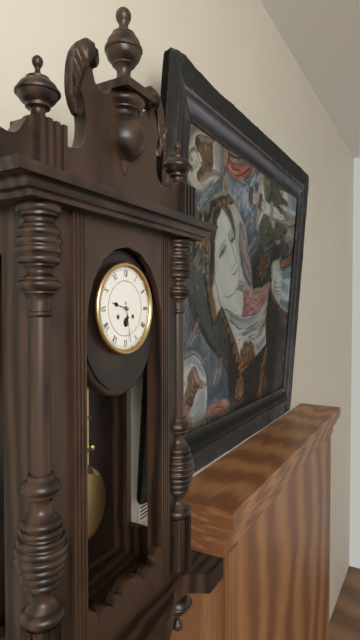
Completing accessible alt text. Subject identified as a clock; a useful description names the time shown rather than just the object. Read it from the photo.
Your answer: 9:28
